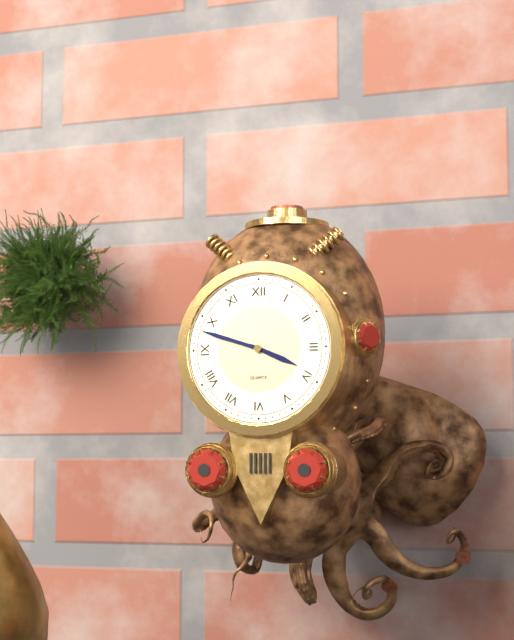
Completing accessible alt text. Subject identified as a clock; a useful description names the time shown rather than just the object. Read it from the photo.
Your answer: 3:48
